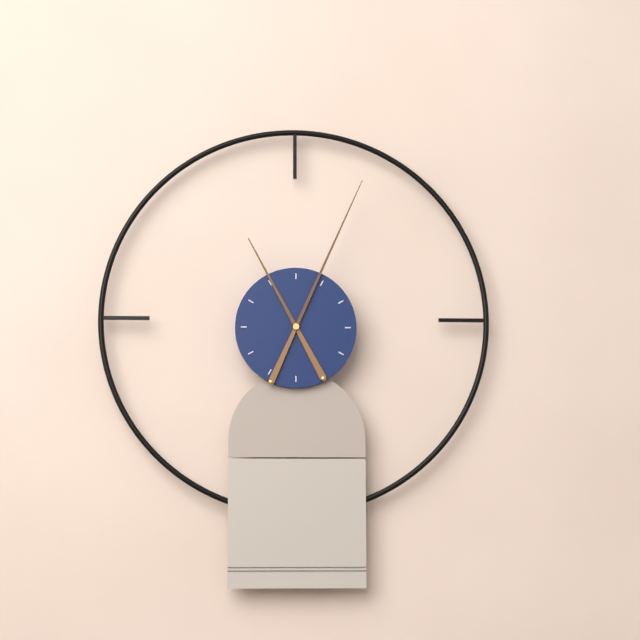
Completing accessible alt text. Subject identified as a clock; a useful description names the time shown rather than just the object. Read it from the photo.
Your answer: 11:04
